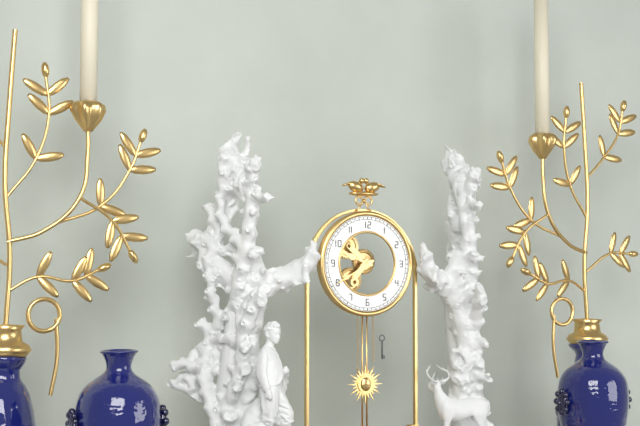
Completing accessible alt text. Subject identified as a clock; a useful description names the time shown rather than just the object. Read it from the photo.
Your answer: 9:40
